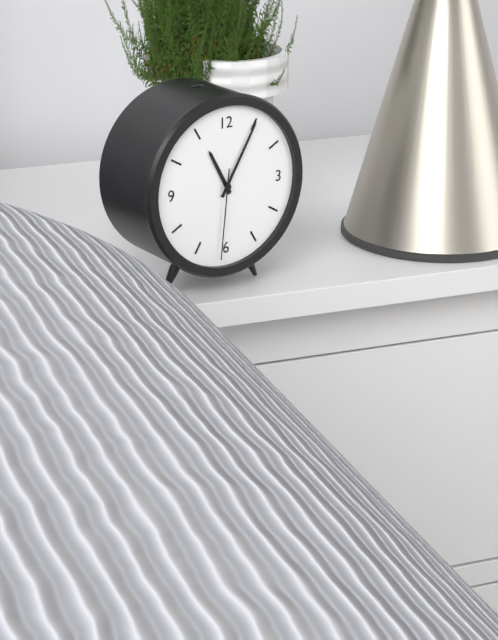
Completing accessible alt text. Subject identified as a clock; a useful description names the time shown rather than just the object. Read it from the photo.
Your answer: 11:05:31
